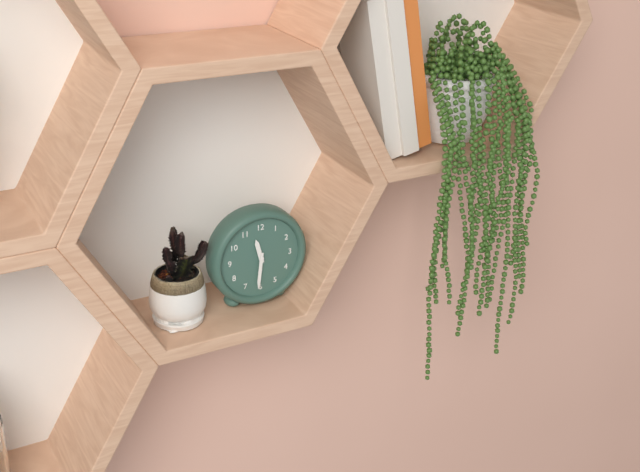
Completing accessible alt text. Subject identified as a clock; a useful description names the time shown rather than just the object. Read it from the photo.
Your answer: 11:31
